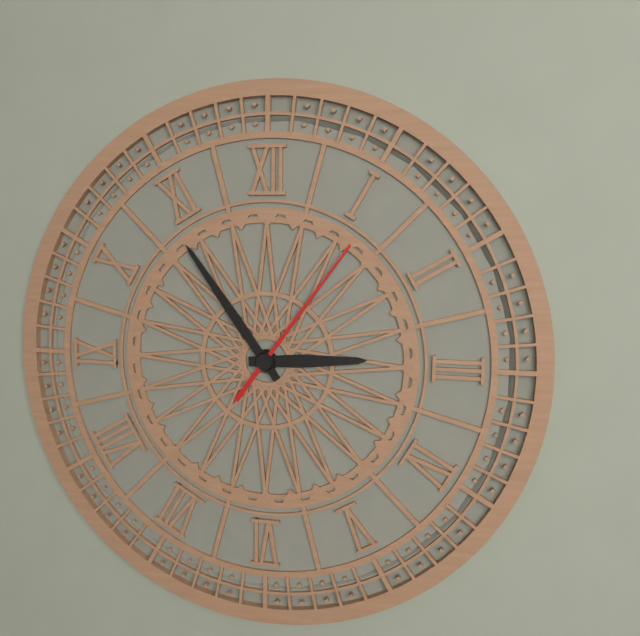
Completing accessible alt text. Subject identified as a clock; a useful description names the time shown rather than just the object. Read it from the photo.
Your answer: 2:54:06
